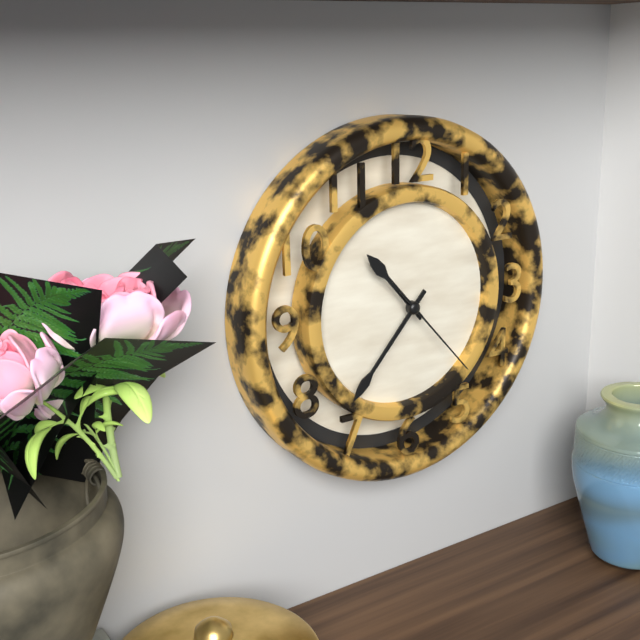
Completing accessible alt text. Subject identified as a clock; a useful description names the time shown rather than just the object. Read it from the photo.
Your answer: 10:37:23
